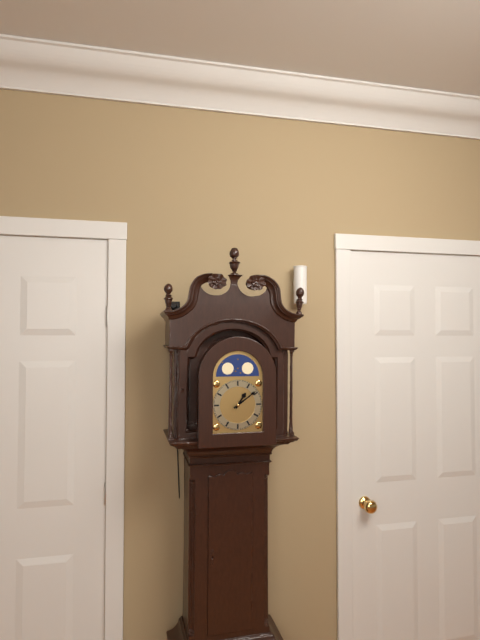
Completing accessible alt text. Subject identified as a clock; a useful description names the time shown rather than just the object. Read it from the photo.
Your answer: 1:09
